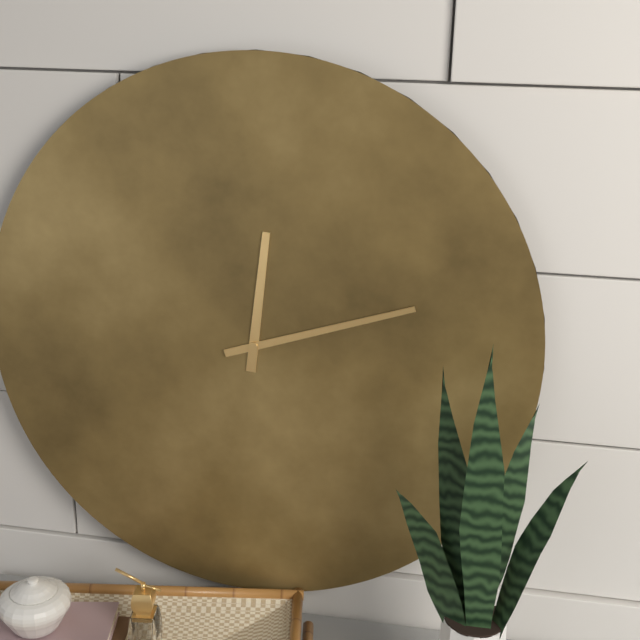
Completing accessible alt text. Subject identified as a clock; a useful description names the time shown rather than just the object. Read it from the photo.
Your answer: 12:12
